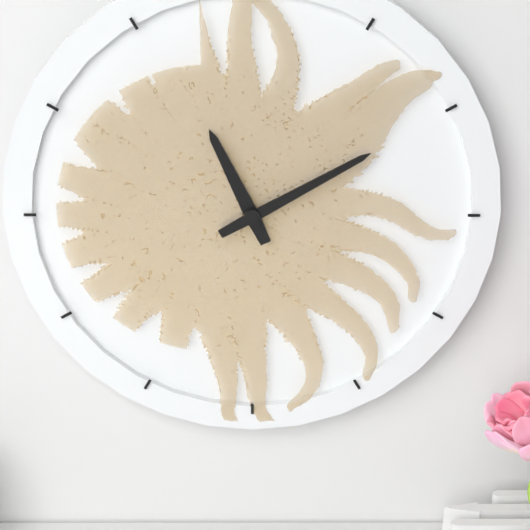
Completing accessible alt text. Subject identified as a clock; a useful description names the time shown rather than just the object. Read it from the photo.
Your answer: 11:10
